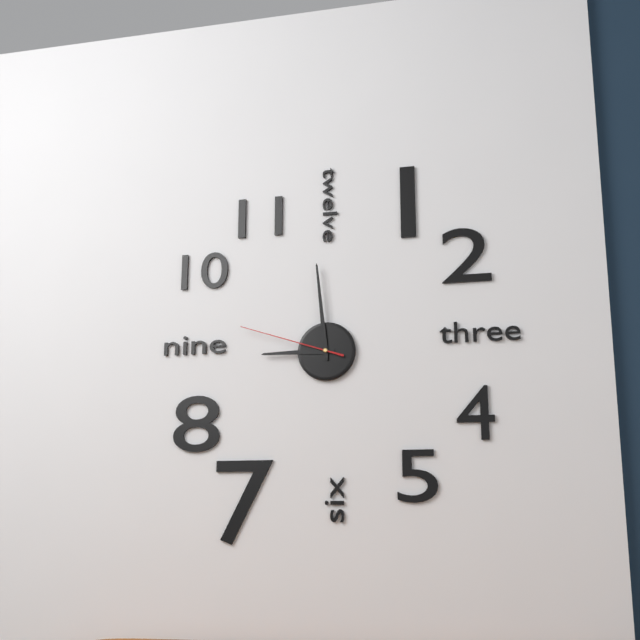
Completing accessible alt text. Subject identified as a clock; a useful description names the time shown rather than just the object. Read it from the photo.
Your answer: 8:59:48
